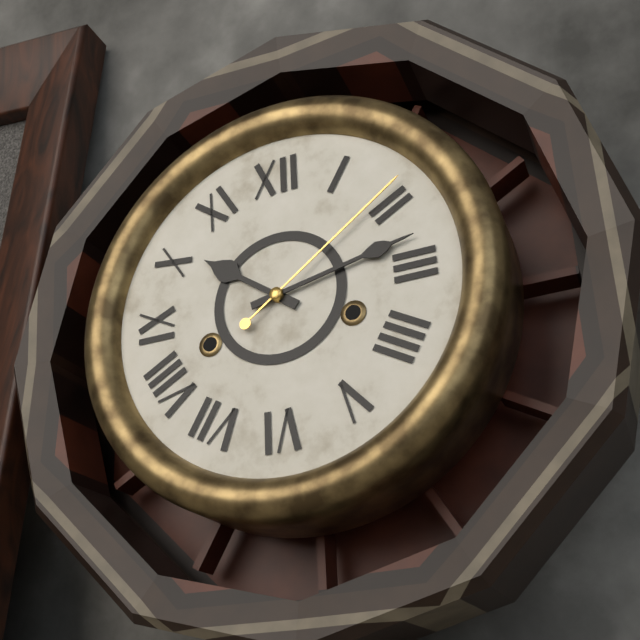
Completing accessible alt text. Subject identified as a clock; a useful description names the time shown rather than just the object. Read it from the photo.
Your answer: 10:13:09
